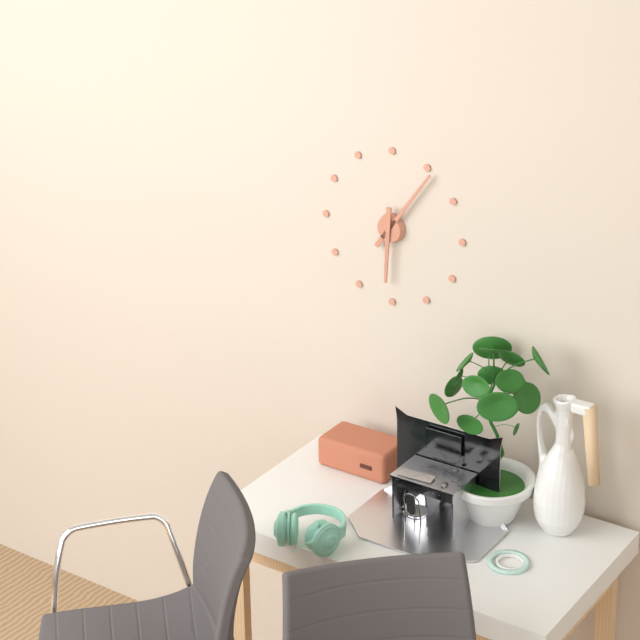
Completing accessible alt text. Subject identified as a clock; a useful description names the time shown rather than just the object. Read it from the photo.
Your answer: 6:06
